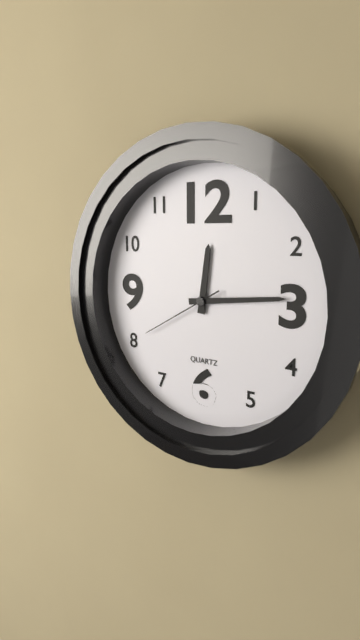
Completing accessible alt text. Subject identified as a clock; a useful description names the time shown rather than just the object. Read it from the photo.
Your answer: 12:14:40
